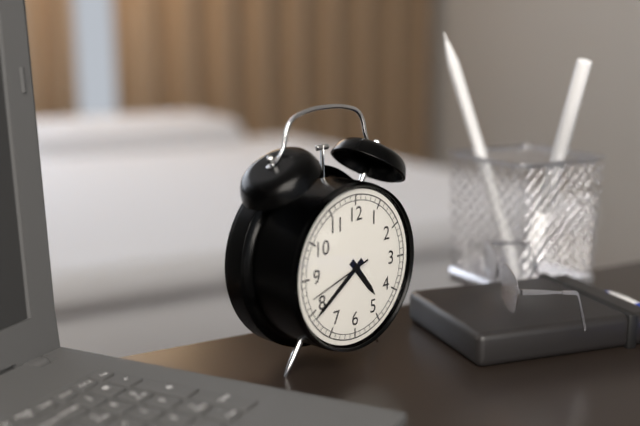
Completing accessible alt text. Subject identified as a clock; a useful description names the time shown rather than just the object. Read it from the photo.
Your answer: 4:39:42
